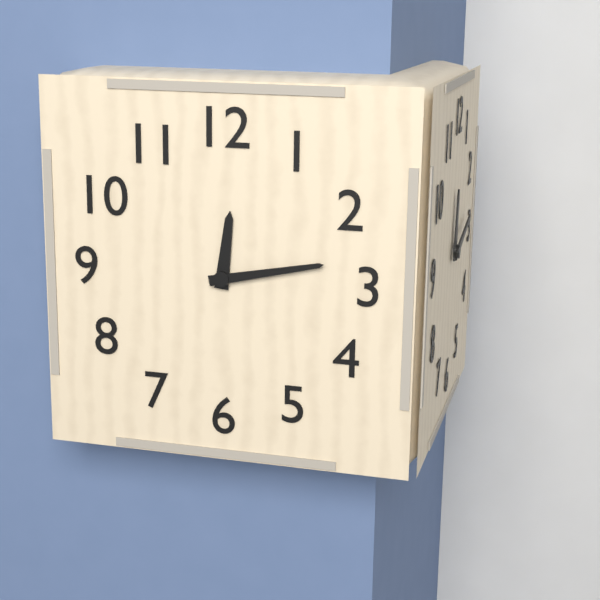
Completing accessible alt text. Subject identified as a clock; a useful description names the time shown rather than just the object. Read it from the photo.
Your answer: 12:13
